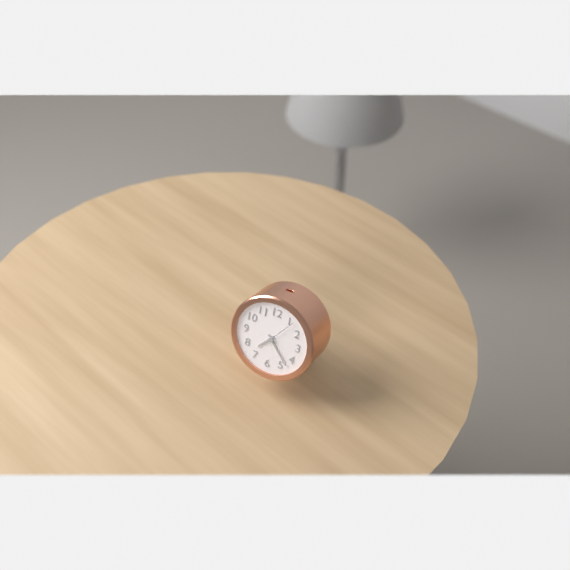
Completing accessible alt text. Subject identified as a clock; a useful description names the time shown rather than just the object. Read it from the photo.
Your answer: 7:23
